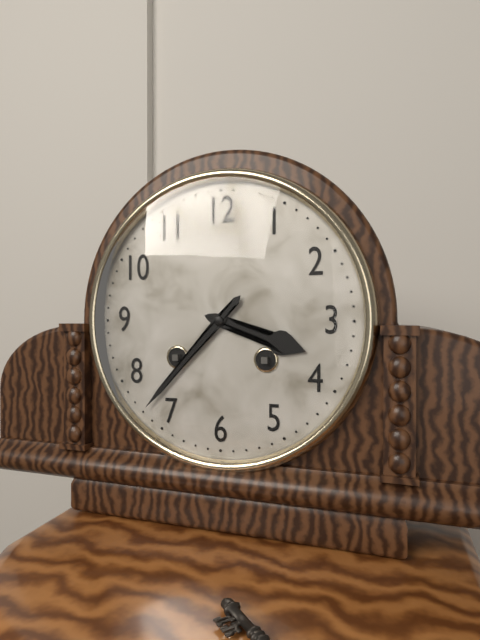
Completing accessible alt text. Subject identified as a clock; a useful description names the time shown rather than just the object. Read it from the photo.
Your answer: 3:37
